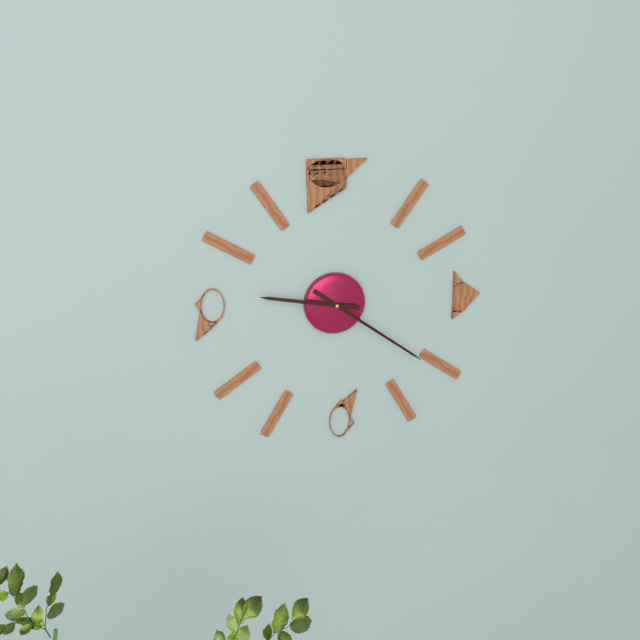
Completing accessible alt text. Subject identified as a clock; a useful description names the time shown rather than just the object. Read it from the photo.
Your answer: 9:21
